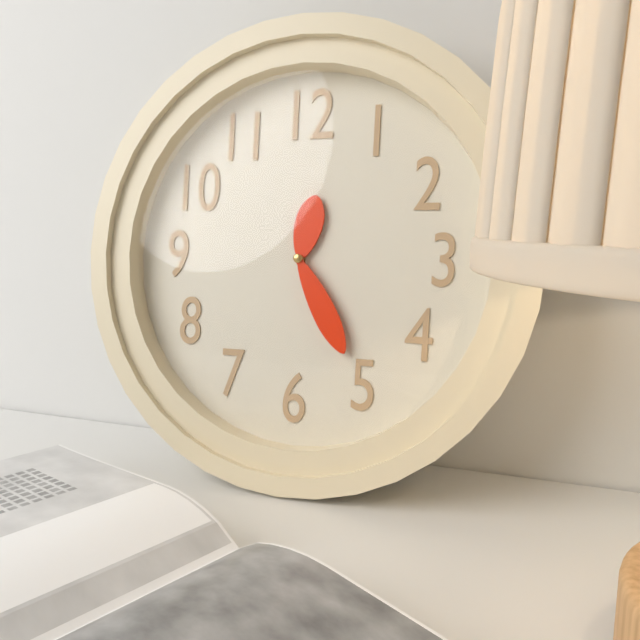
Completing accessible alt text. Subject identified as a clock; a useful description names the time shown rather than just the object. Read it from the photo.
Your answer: 12:25
